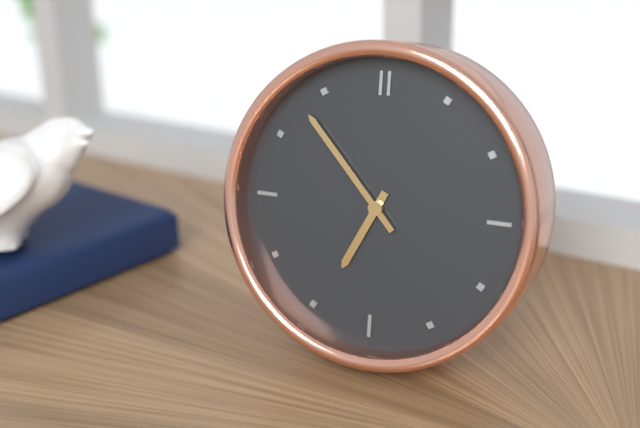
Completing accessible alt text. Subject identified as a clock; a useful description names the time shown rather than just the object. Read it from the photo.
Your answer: 6:53
